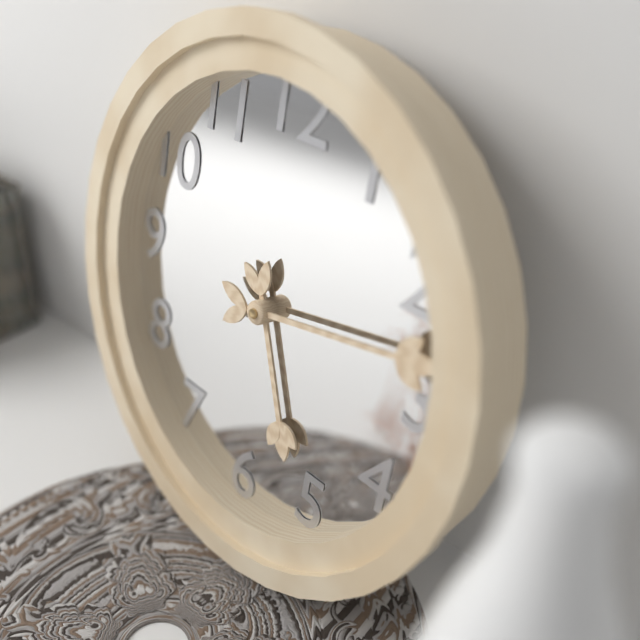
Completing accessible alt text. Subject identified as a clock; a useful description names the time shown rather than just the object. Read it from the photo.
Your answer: 5:13
